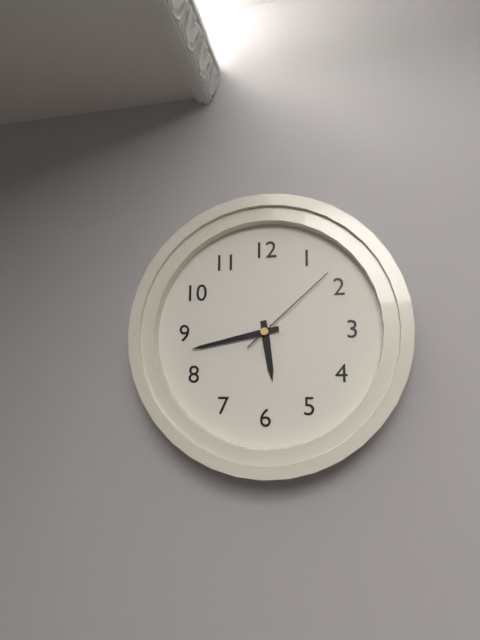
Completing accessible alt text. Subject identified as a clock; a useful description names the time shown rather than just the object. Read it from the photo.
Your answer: 5:43:08
